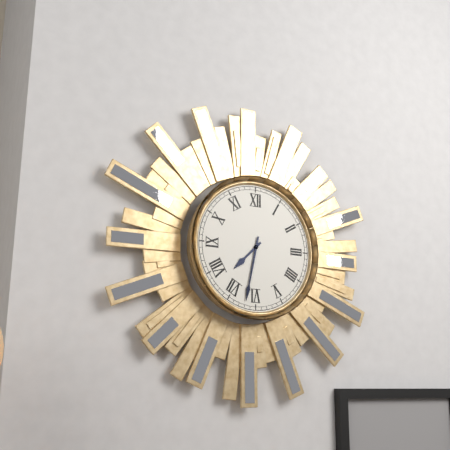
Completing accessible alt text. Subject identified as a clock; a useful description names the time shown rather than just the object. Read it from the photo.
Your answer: 7:32
